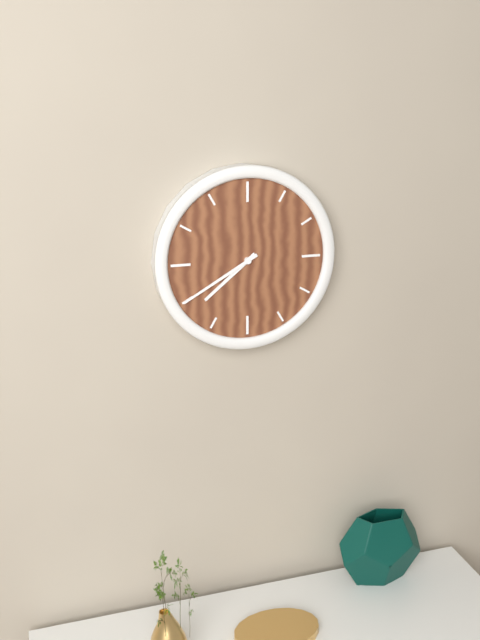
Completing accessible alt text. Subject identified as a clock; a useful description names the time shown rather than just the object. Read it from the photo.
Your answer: 7:40
